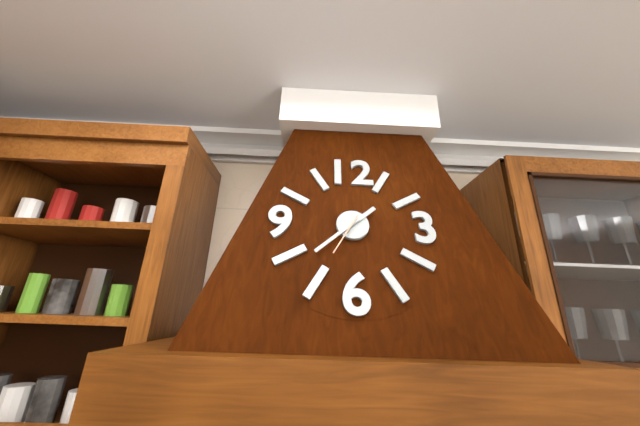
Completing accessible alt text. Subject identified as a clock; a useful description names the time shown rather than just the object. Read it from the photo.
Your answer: 1:38
